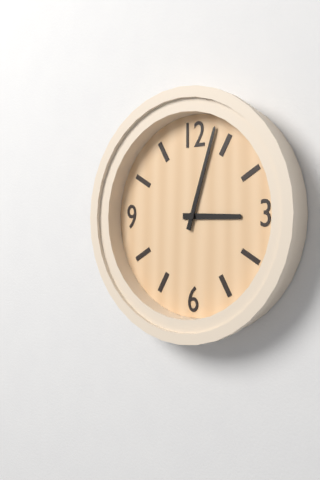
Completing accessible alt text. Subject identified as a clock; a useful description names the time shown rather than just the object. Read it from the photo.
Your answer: 3:03
